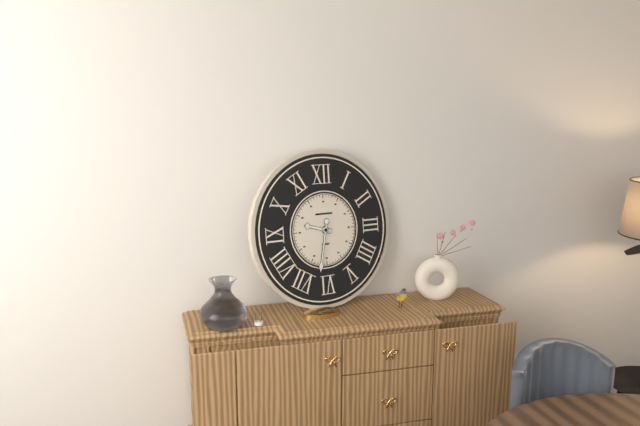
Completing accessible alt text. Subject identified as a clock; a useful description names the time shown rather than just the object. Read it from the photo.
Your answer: 9:32
